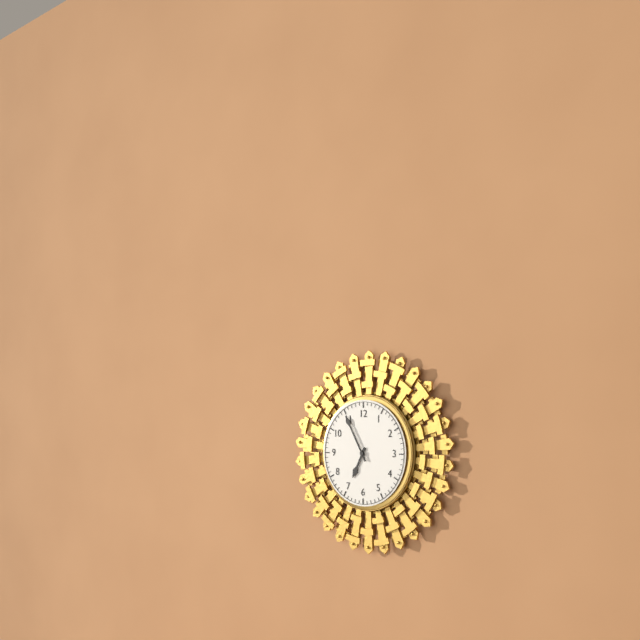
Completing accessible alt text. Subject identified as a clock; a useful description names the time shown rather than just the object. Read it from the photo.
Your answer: 6:55
